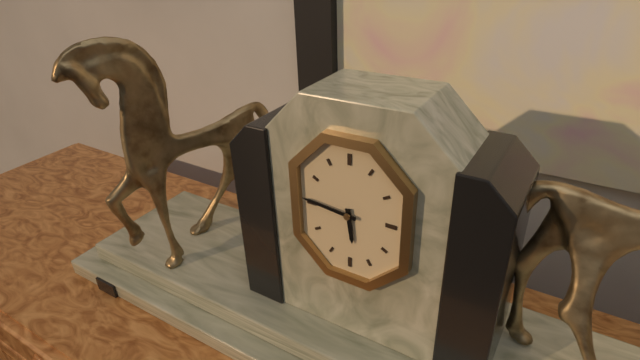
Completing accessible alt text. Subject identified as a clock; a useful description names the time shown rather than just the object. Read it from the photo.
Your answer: 5:46
